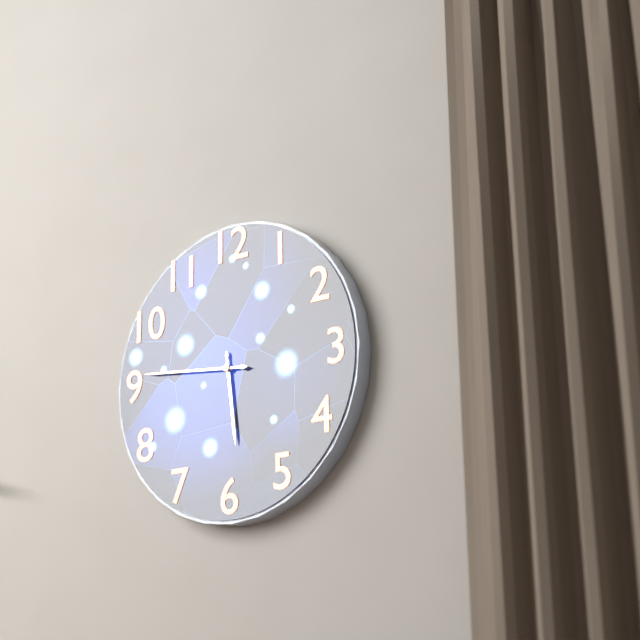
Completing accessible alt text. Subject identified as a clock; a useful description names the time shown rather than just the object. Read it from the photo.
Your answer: 5:46
